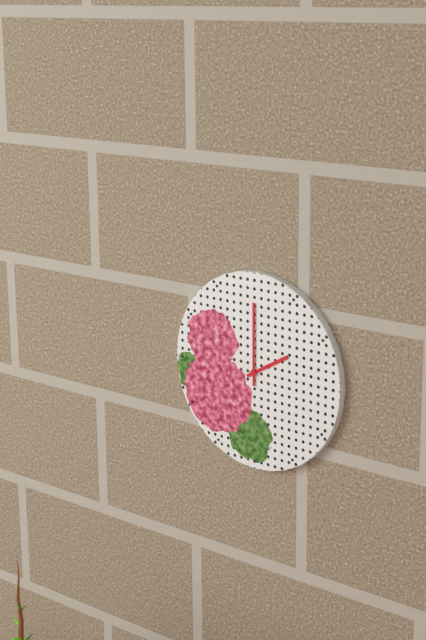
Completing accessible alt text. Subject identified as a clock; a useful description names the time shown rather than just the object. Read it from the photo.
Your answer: 2:00
